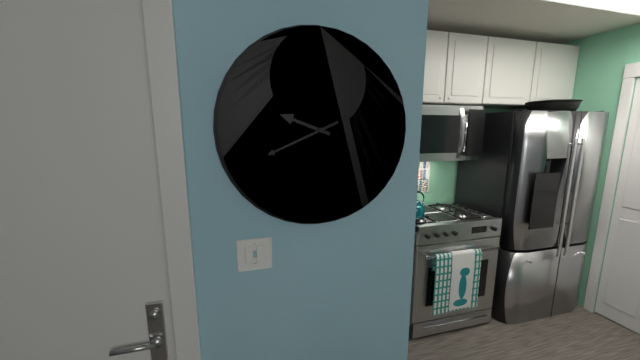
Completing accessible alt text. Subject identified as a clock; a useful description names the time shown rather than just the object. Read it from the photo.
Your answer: 9:41
